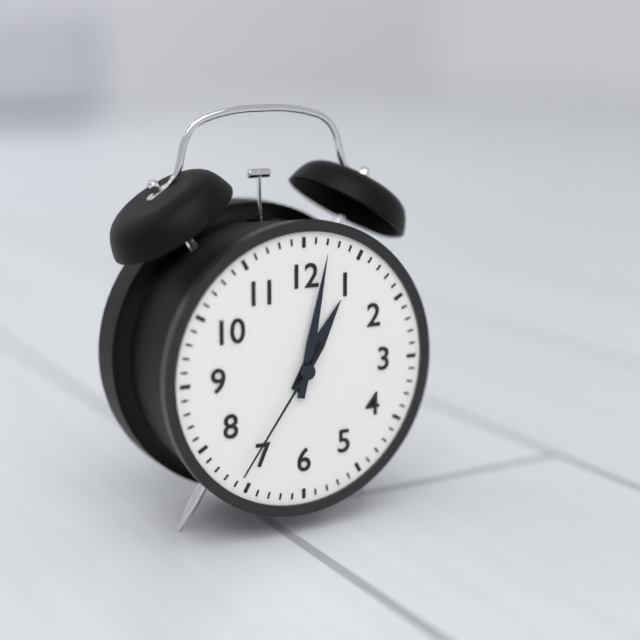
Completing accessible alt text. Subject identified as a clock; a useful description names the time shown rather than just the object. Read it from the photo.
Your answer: 1:02:36
